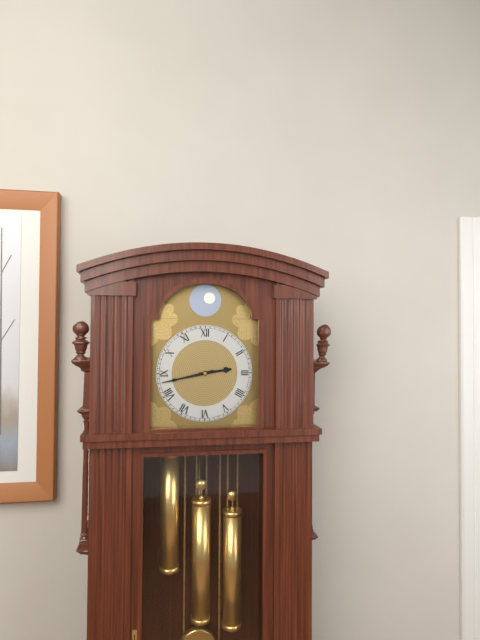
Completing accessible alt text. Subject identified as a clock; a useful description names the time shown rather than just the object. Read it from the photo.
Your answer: 2:43
